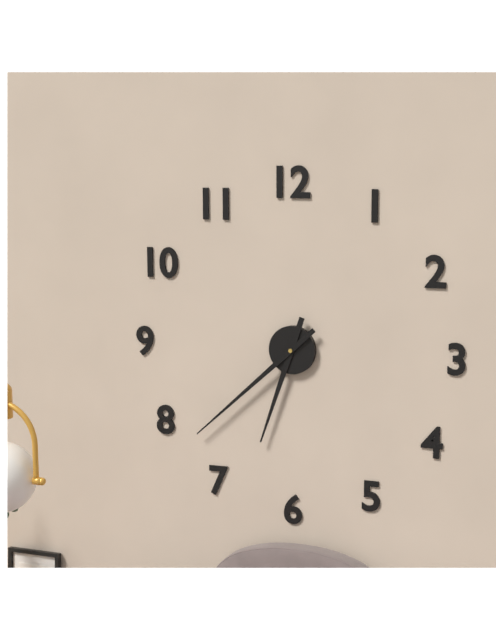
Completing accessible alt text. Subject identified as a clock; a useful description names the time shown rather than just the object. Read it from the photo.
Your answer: 6:38
